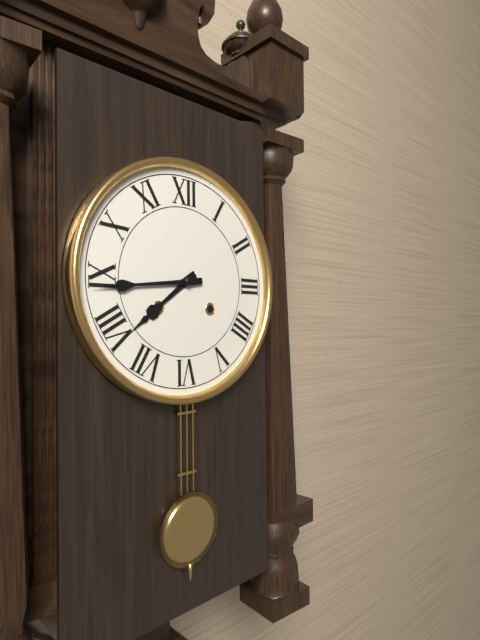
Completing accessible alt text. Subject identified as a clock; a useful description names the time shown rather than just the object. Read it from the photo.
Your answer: 7:44
